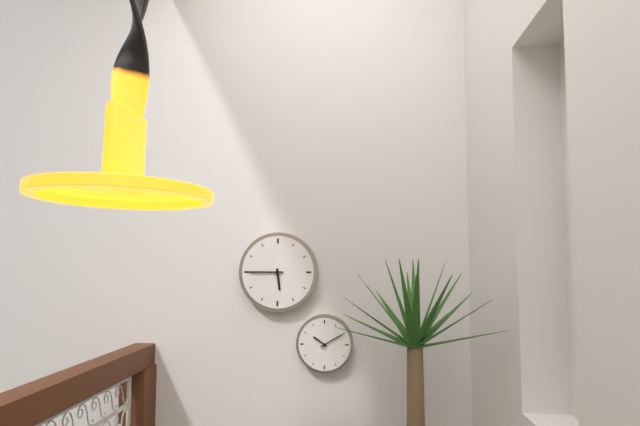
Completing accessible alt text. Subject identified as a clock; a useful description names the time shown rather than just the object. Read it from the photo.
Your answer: 5:45
